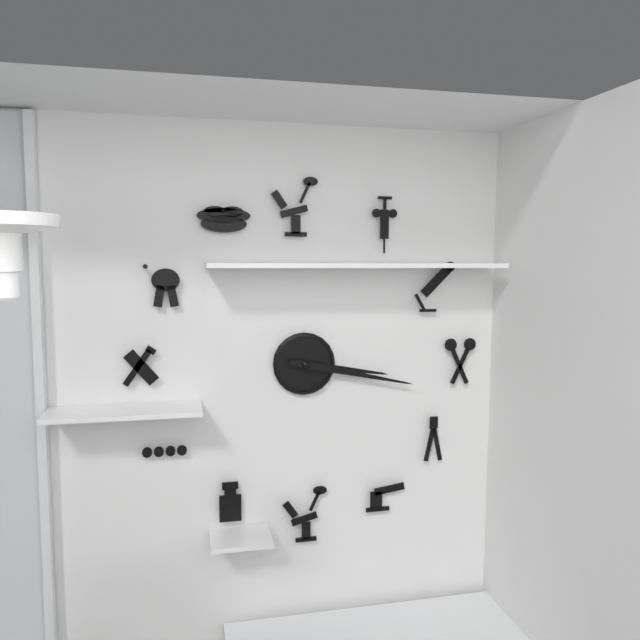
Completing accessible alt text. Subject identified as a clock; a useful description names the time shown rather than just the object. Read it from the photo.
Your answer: 3:17
